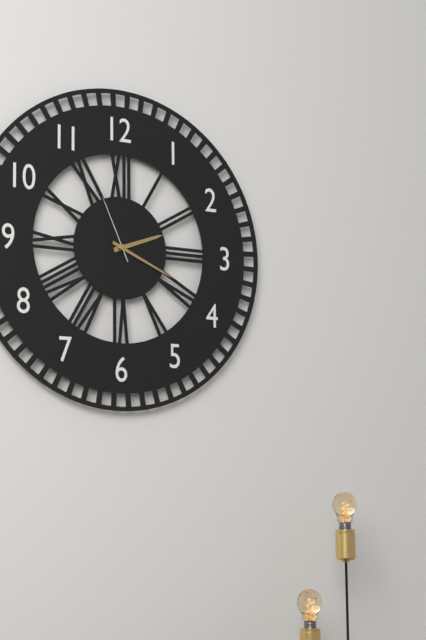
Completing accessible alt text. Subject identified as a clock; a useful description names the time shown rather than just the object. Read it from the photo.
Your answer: 2:19:56
